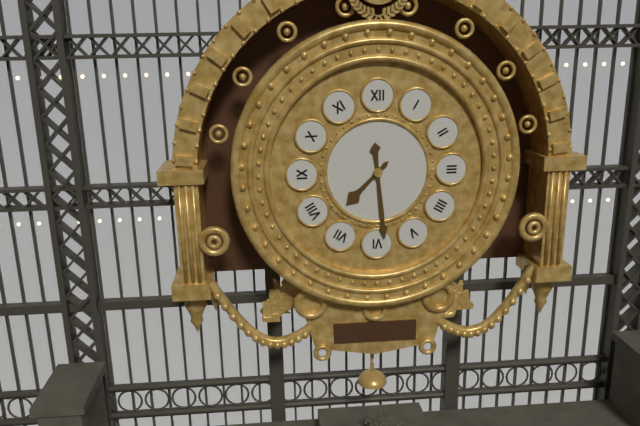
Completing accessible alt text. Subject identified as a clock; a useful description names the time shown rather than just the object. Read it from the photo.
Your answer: 7:29
